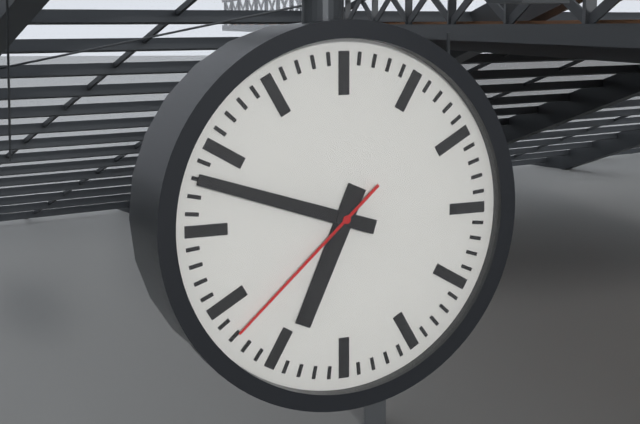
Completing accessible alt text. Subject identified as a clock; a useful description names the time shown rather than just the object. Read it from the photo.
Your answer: 6:48:38
